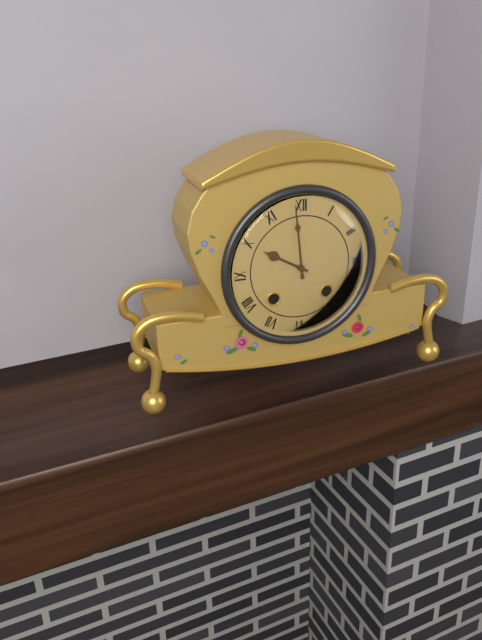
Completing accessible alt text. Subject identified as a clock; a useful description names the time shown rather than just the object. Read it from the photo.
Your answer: 9:59
